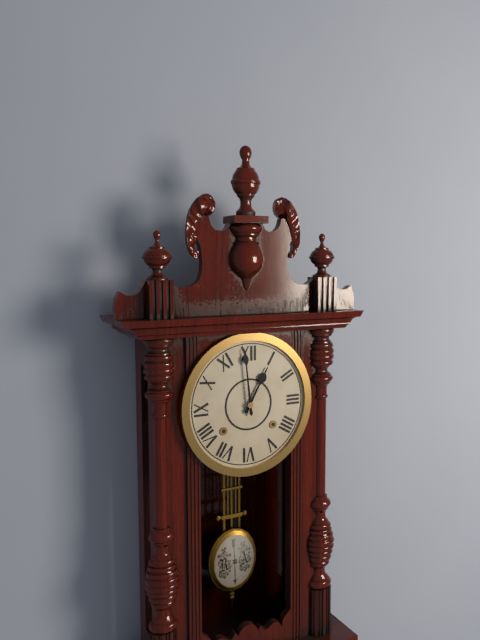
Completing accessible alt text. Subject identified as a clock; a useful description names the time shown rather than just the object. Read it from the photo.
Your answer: 12:59
